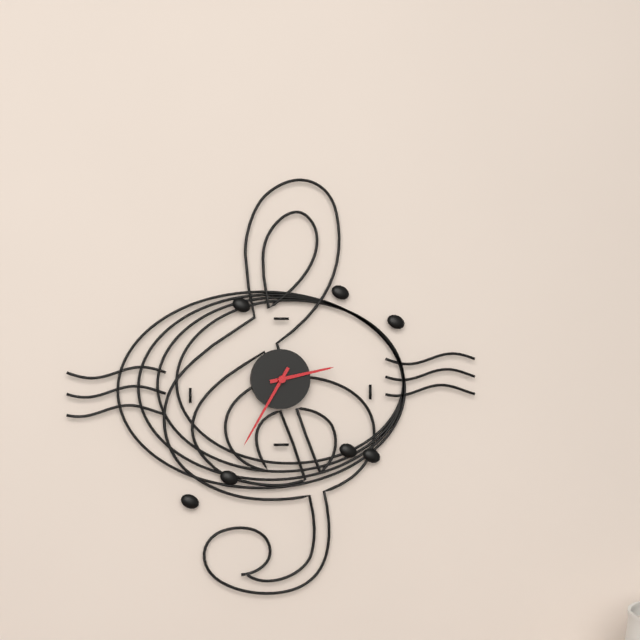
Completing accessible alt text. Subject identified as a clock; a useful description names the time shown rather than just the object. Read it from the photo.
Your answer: 2:35
